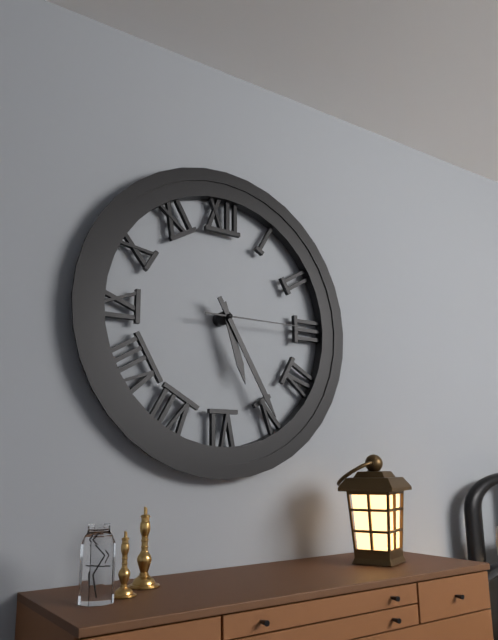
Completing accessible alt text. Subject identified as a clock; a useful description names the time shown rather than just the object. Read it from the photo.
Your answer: 5:25:15
